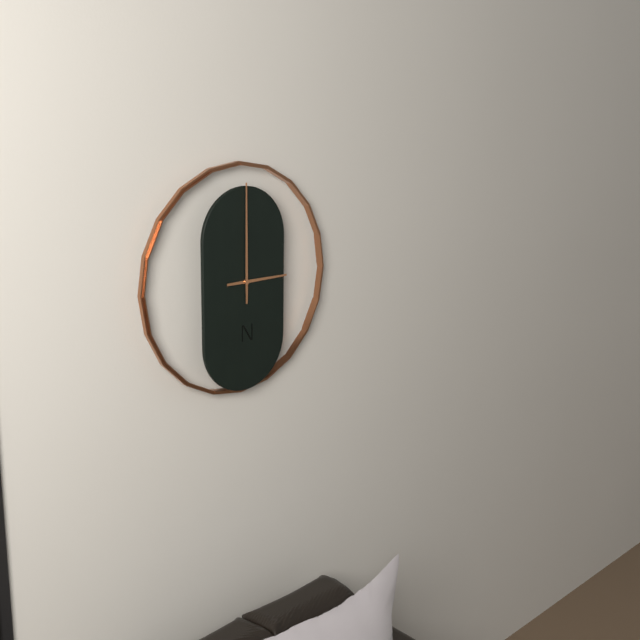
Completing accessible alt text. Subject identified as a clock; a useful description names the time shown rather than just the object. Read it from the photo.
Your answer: 3:00
